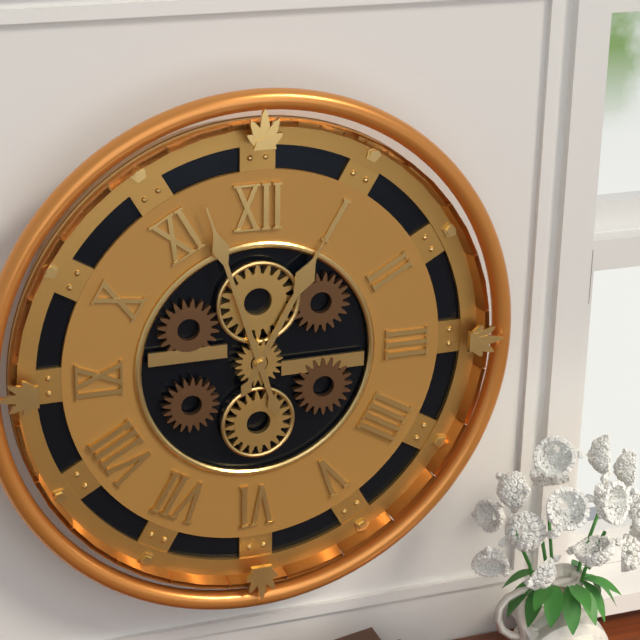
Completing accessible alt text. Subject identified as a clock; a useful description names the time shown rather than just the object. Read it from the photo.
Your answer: 12:57
